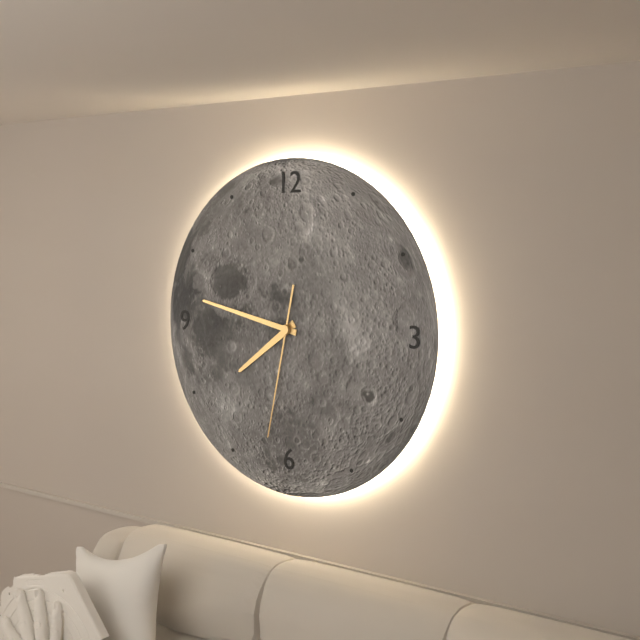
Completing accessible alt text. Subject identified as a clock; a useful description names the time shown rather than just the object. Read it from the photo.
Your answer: 7:47:32
